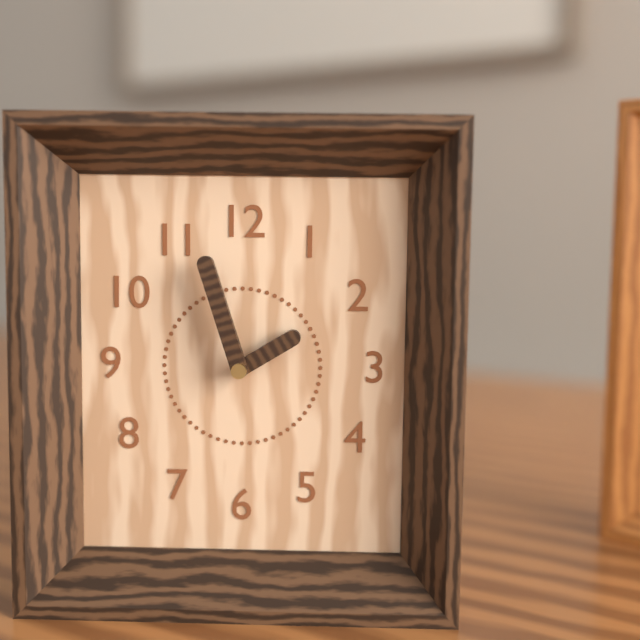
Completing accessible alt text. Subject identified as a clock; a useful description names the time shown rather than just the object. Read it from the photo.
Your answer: 1:57
